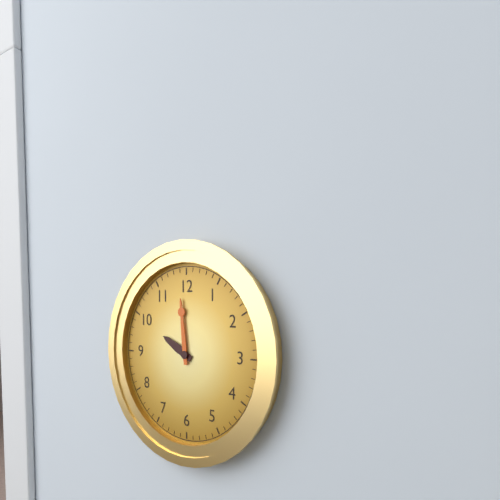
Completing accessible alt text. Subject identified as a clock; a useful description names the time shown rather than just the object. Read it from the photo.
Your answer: 9:59
